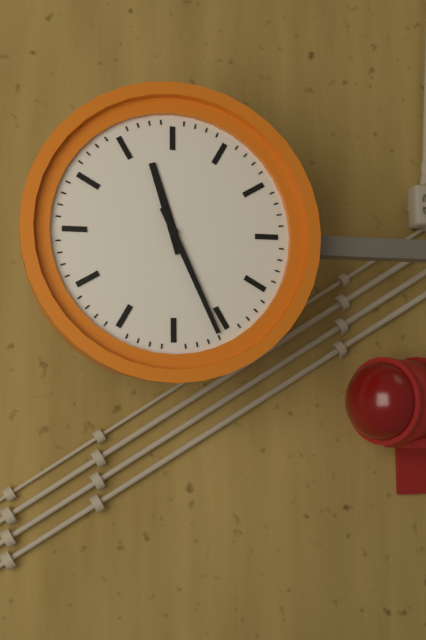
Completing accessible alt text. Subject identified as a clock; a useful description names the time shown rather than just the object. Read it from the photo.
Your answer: 11:26
